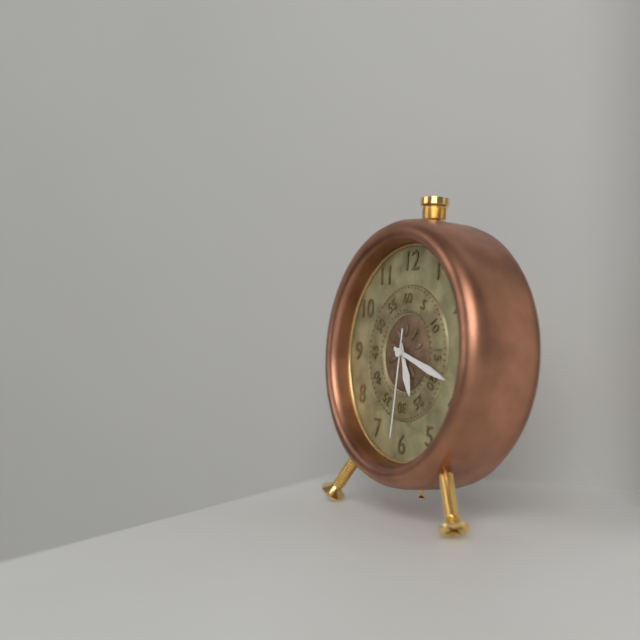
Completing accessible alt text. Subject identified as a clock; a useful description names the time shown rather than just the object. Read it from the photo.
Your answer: 5:18:31
